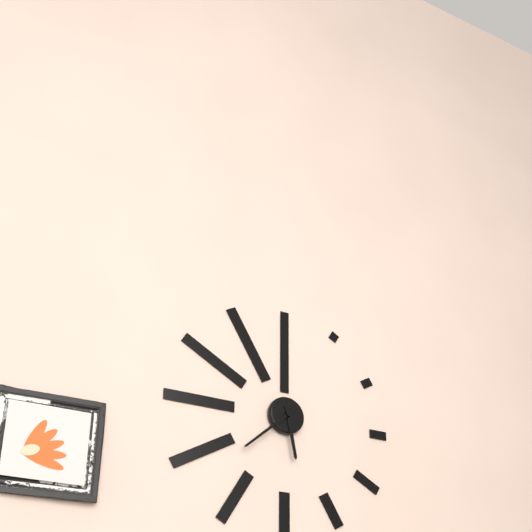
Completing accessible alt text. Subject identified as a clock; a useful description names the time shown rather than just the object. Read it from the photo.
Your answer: 5:38
